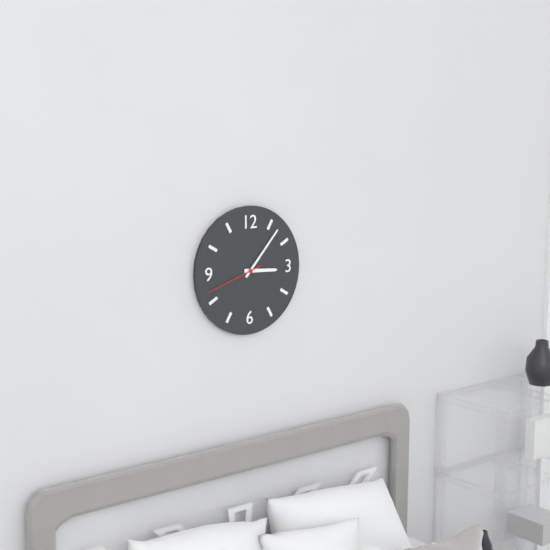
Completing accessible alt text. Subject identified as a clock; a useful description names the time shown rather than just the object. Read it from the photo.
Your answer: 3:07:42
